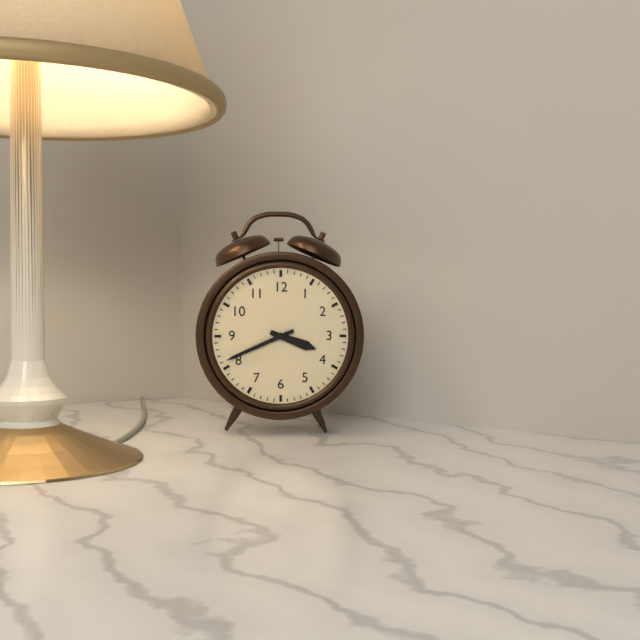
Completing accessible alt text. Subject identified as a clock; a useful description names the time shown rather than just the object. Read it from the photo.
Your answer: 3:41
